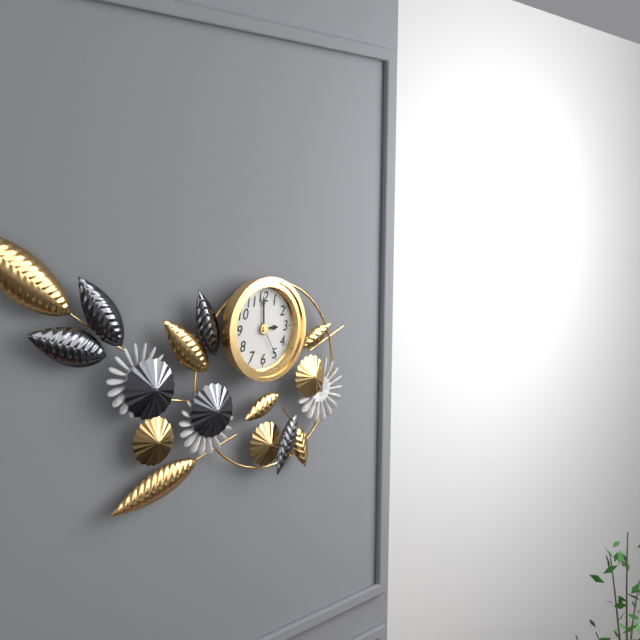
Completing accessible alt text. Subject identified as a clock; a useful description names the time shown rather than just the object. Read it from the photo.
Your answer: 3:00
